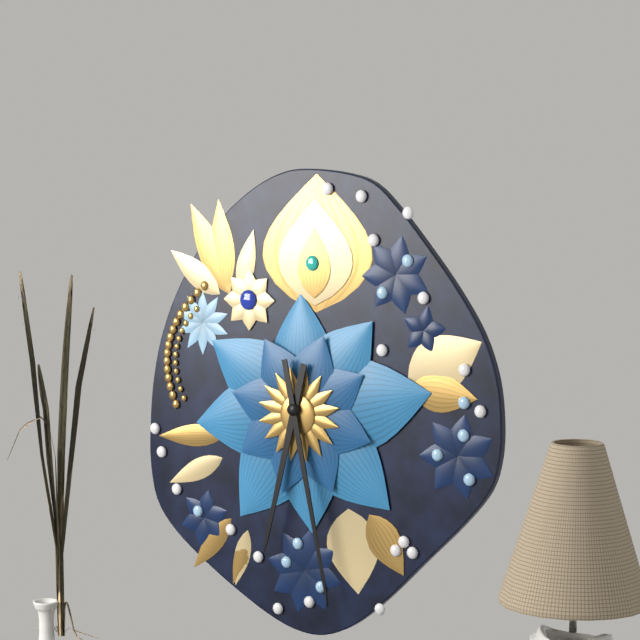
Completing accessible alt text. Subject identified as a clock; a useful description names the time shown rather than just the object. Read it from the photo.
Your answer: 6:28
